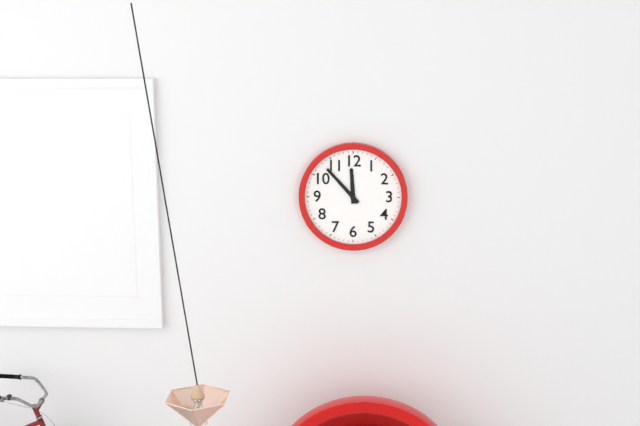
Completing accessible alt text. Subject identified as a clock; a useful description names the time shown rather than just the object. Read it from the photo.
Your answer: 11:53
